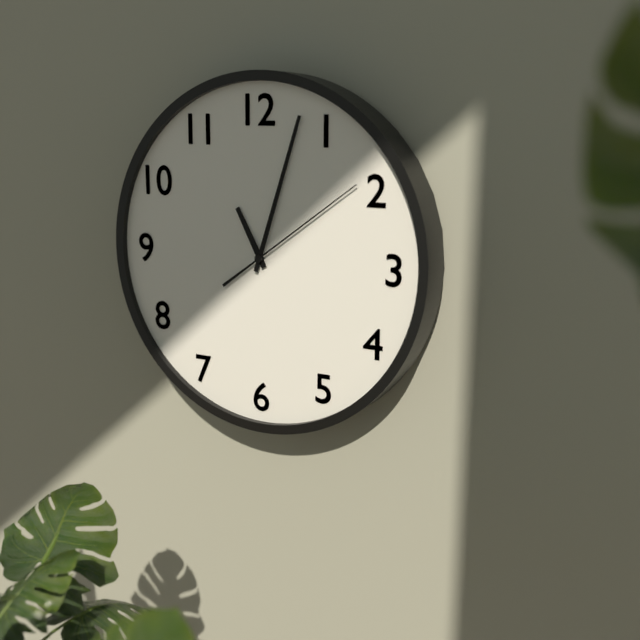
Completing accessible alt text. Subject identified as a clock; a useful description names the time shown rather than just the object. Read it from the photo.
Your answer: 11:03:09
